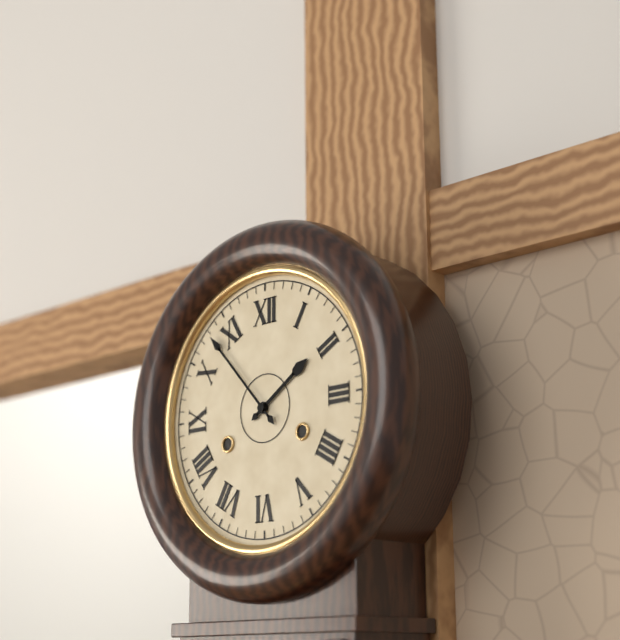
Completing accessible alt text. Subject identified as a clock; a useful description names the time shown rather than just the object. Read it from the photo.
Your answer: 1:53
